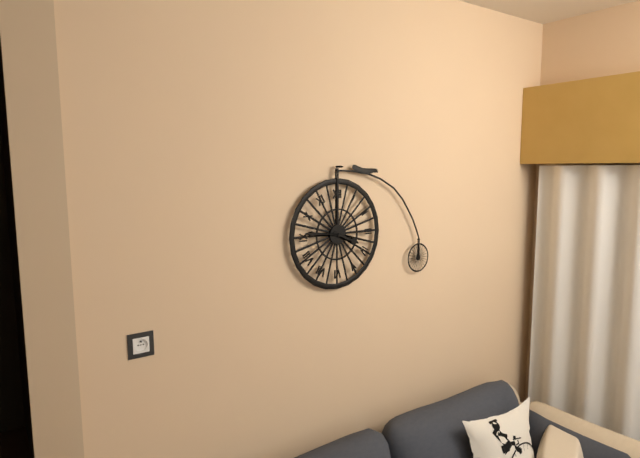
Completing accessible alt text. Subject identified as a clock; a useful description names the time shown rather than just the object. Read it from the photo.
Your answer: 3:46
